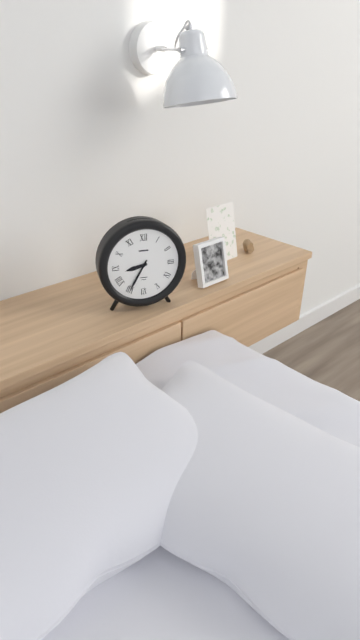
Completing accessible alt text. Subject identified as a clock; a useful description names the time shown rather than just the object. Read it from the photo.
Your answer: 8:35
